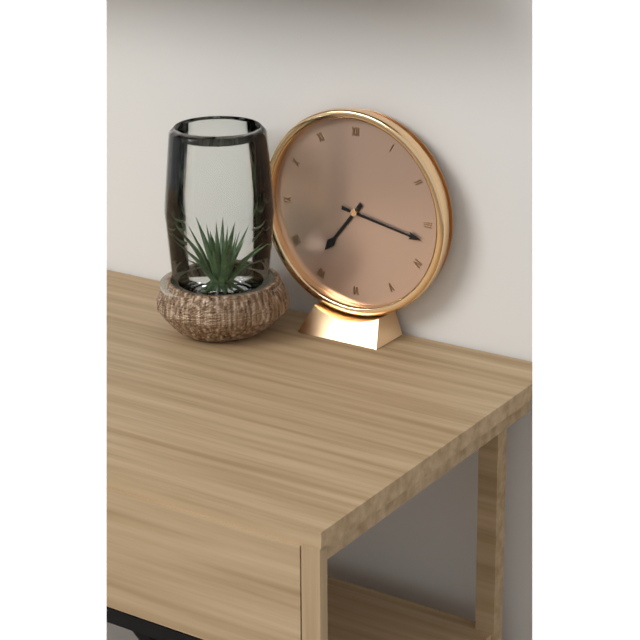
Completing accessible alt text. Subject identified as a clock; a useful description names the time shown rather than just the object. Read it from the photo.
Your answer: 7:17
